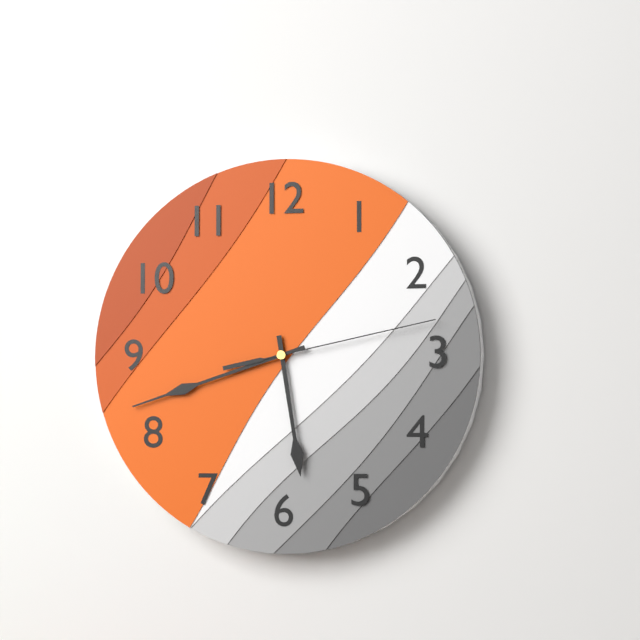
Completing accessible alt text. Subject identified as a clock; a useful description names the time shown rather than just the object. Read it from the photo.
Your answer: 5:42:13
